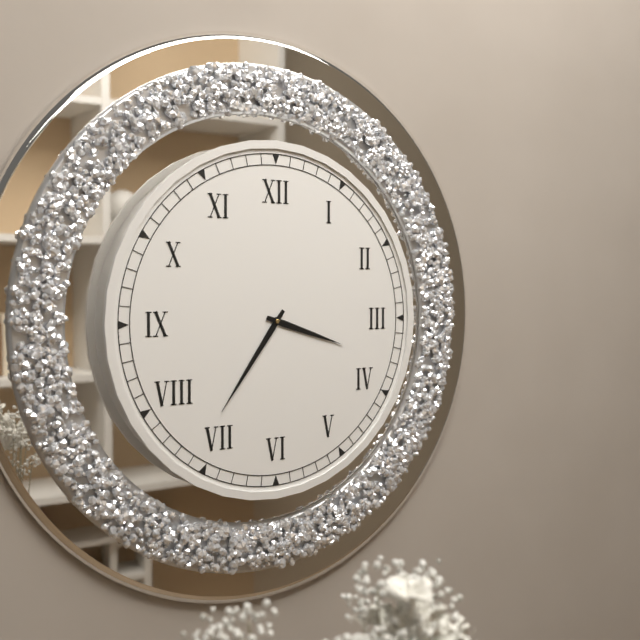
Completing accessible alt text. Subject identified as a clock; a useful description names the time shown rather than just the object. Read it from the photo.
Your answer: 3:36
